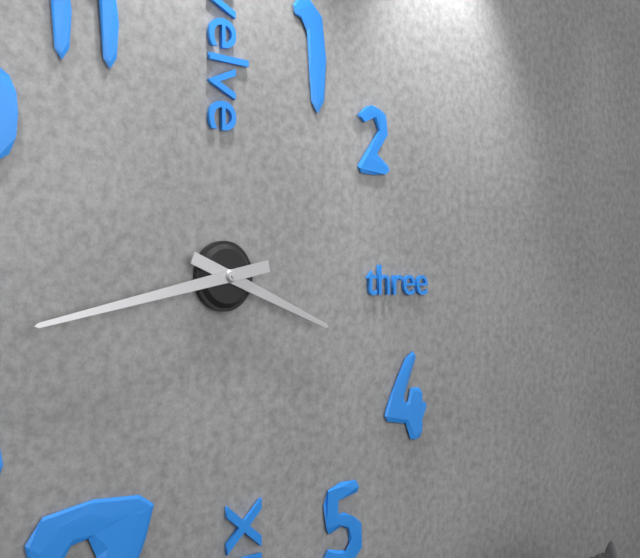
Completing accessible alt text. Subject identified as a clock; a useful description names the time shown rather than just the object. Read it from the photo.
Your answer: 3:43
